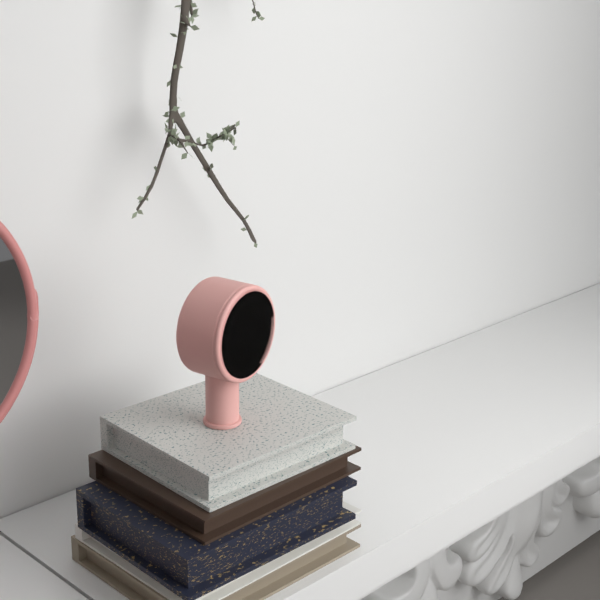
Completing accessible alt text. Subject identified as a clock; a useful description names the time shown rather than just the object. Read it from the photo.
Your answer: 10:49
